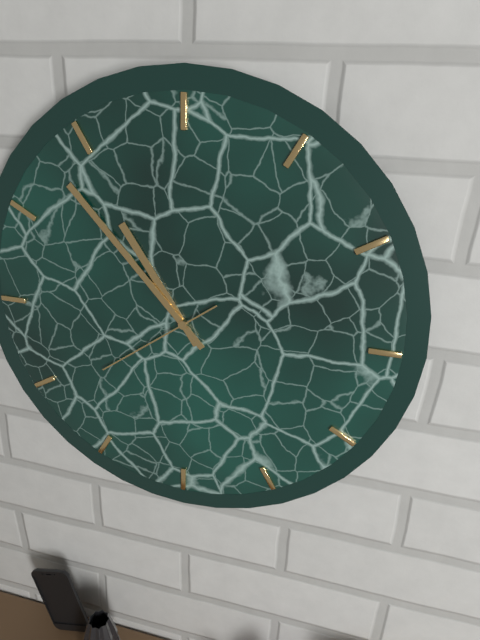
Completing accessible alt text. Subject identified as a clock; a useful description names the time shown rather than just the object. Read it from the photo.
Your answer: 10:53:39
